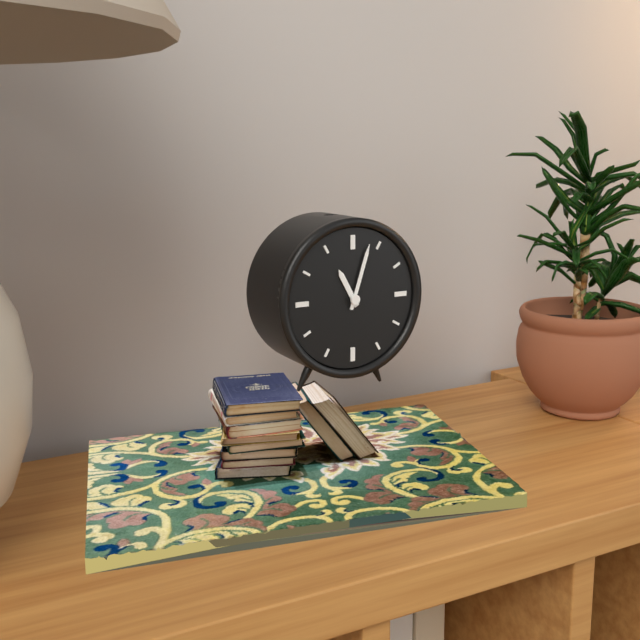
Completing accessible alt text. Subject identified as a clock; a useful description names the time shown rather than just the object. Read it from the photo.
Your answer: 11:03
